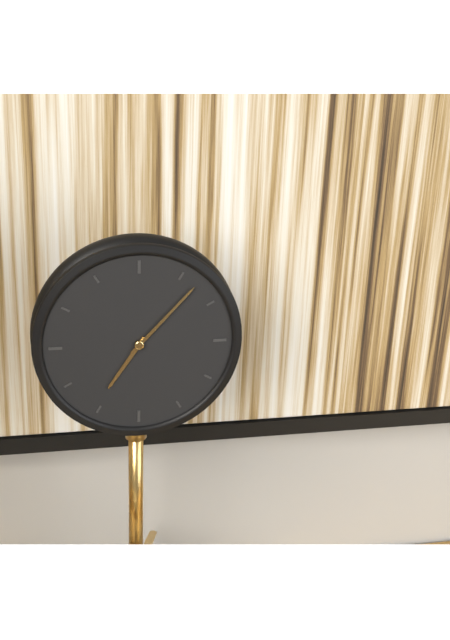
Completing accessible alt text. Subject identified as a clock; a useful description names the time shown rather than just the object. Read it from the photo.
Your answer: 7:07
